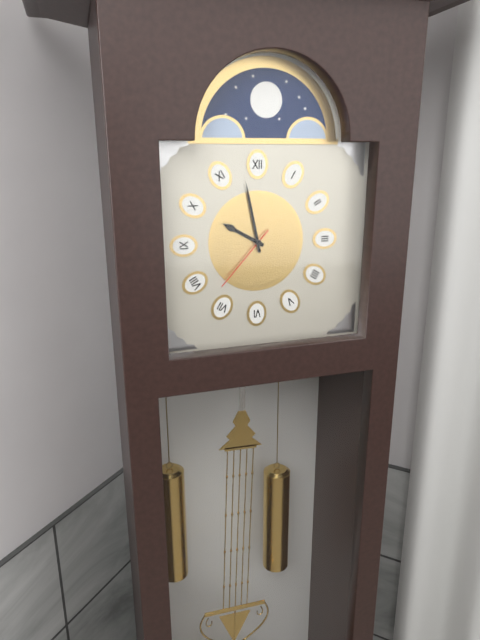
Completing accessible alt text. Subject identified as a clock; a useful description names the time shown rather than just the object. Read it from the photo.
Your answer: 9:58:37
